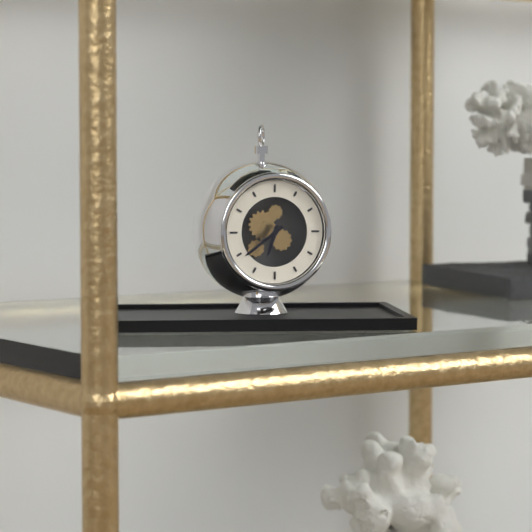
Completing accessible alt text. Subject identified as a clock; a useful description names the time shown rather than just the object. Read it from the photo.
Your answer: 6:39
